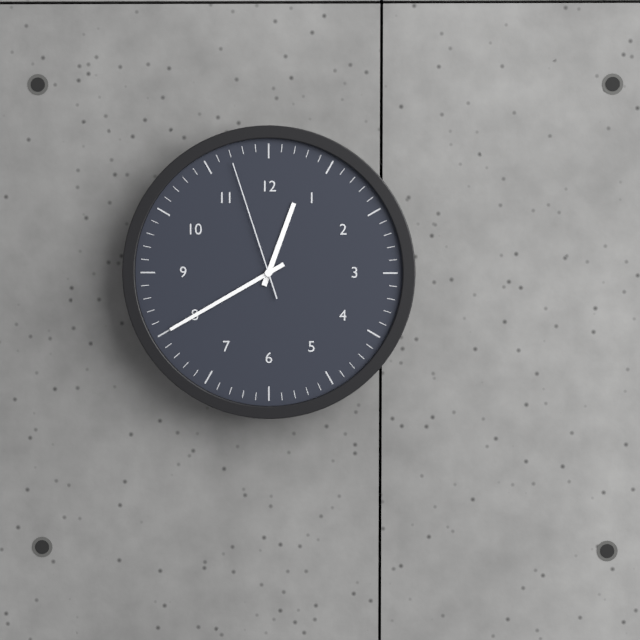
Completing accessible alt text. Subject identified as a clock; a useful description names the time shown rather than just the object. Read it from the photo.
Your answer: 12:40:57
